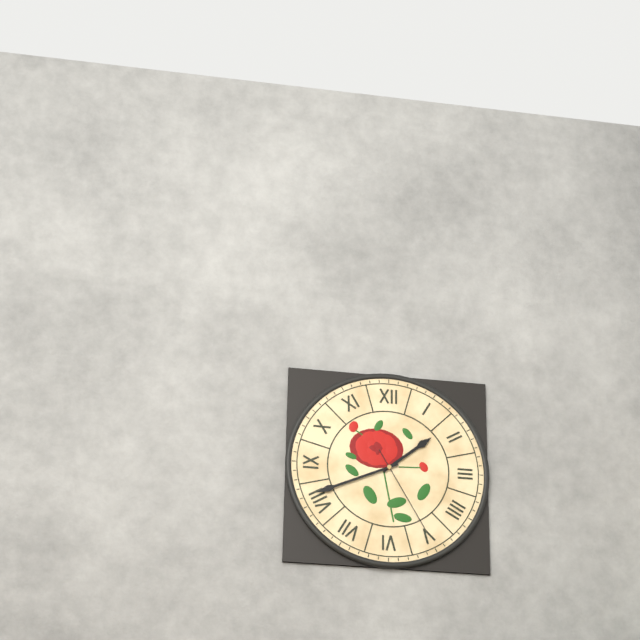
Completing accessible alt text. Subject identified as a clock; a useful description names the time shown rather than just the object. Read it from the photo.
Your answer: 1:41:25
